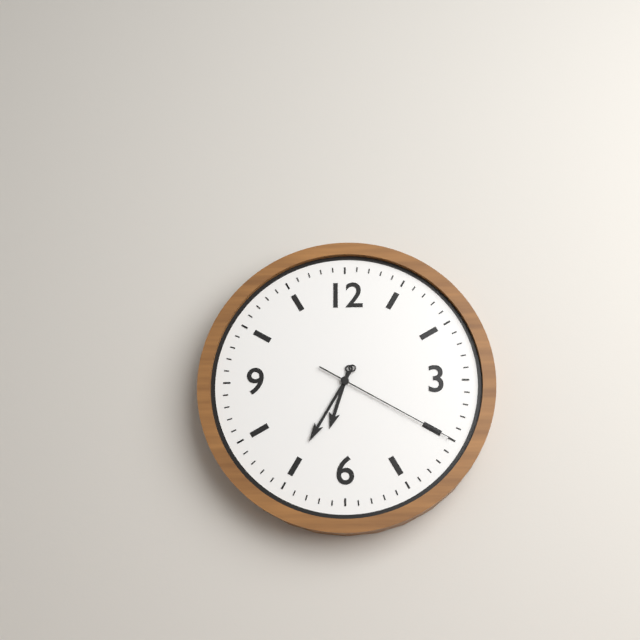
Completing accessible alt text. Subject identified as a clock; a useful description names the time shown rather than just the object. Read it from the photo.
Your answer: 6:35:20
